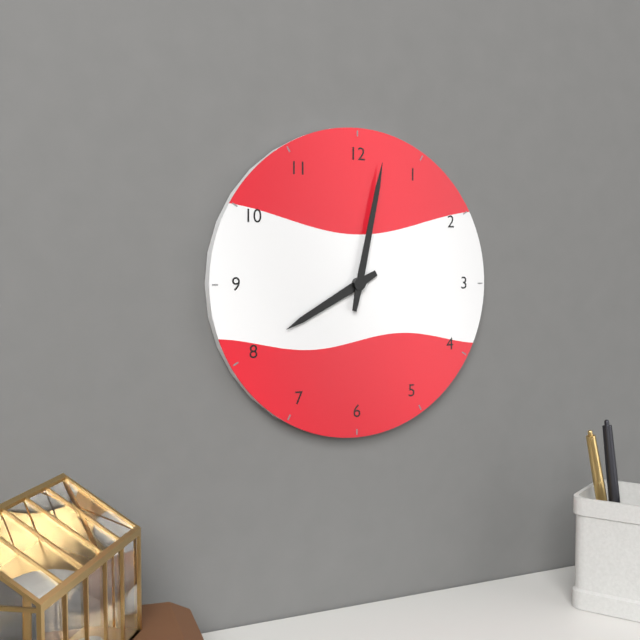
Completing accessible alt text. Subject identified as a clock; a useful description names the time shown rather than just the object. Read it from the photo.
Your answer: 8:02
